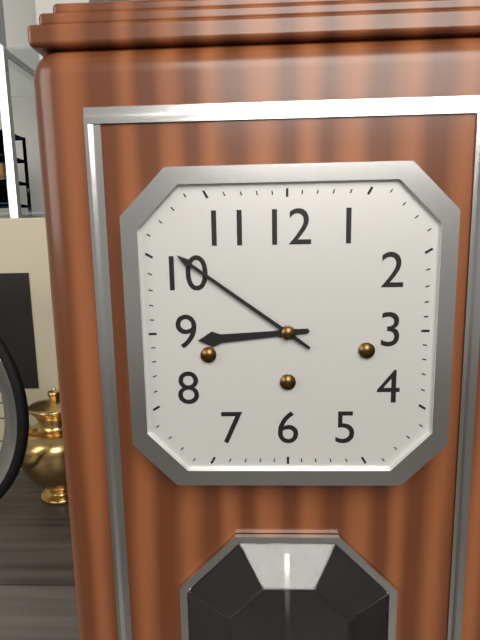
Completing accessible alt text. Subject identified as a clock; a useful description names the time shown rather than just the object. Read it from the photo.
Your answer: 8:51
